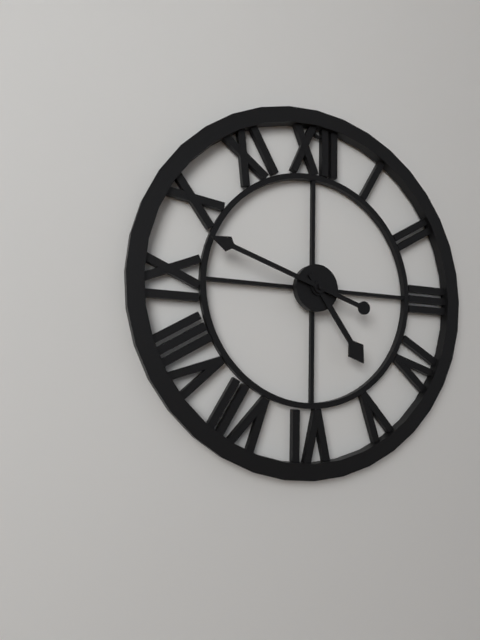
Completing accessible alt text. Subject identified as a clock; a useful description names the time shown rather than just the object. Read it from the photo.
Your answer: 4:48
